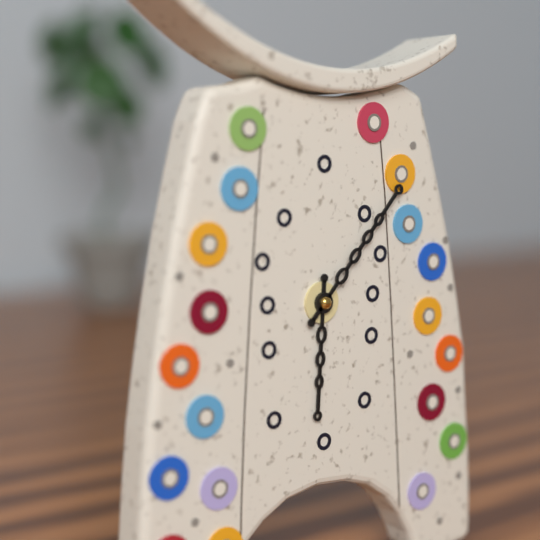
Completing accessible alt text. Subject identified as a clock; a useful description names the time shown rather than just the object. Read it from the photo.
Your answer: 6:07
